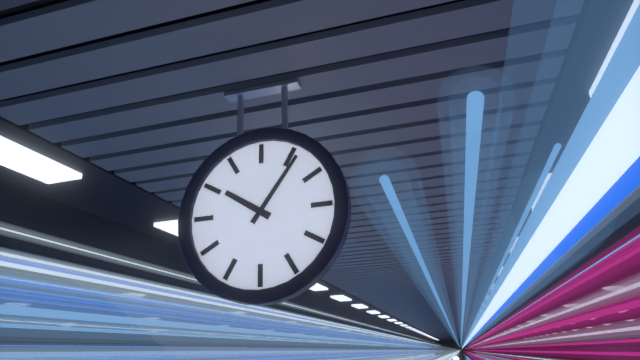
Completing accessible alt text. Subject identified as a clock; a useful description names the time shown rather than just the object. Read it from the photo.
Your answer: 10:06
